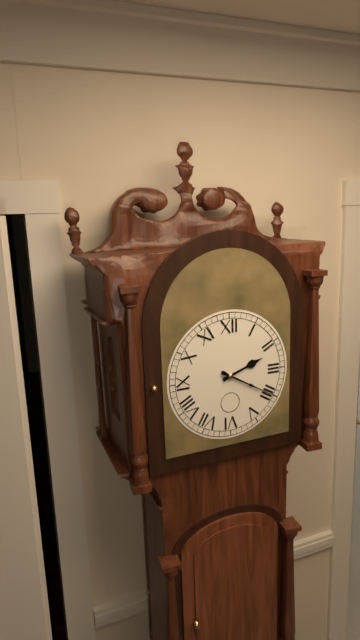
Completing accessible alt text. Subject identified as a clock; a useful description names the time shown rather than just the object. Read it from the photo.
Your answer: 2:20
